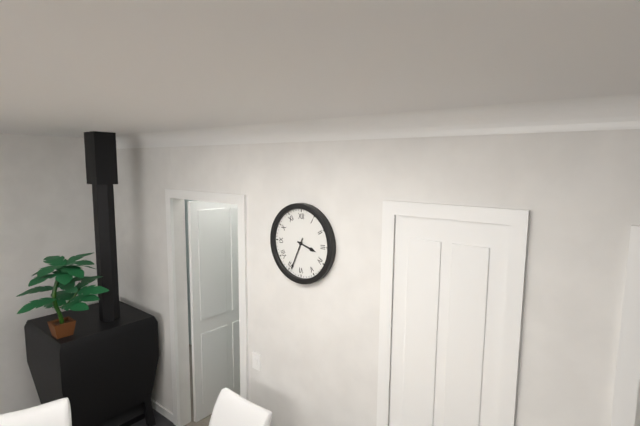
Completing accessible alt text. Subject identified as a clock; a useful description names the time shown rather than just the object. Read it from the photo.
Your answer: 3:34
